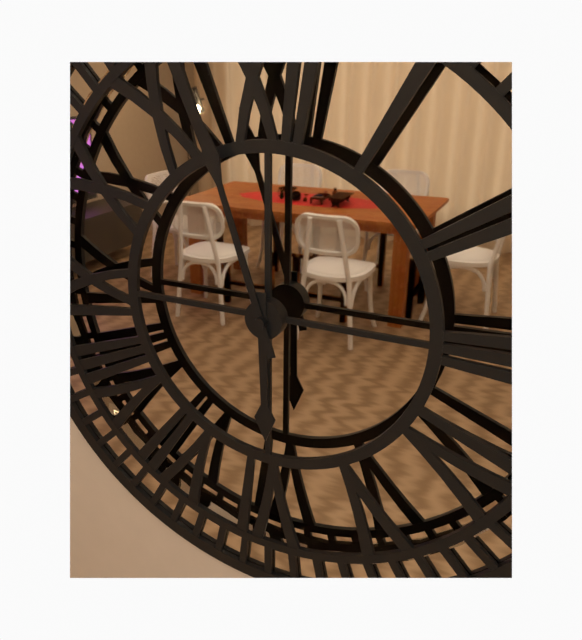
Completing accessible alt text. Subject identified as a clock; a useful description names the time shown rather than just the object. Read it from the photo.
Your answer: 5:57
